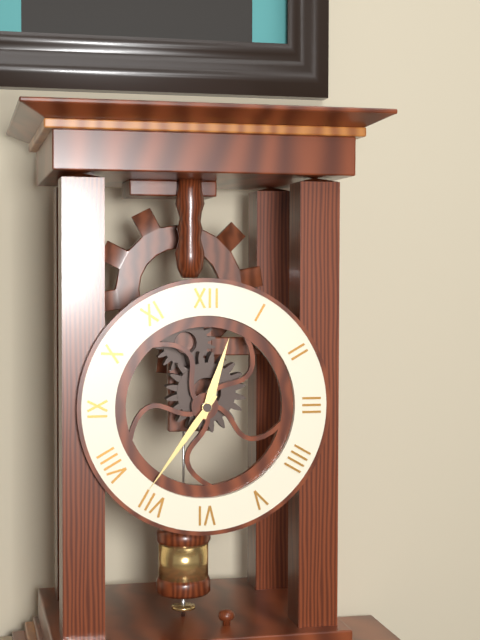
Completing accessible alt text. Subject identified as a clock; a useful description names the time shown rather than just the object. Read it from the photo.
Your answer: 12:36
